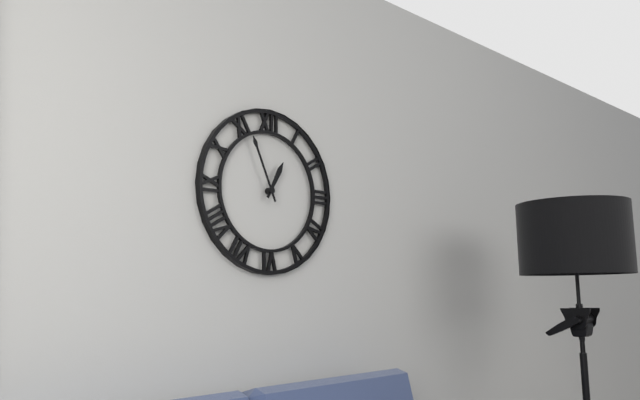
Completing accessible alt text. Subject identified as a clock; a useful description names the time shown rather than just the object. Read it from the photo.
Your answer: 12:56
